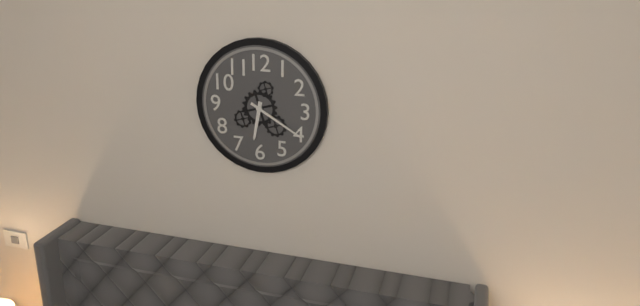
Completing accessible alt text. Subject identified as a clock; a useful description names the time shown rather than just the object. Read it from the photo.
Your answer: 6:20
